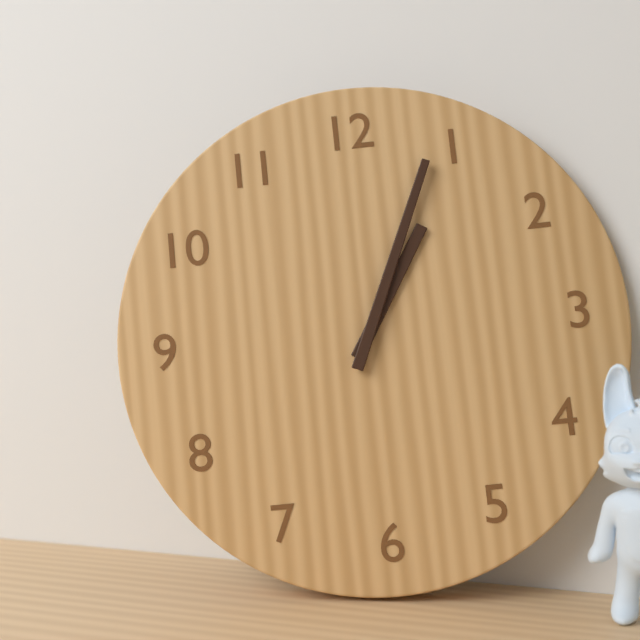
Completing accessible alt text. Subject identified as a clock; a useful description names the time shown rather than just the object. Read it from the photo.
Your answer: 1:04
